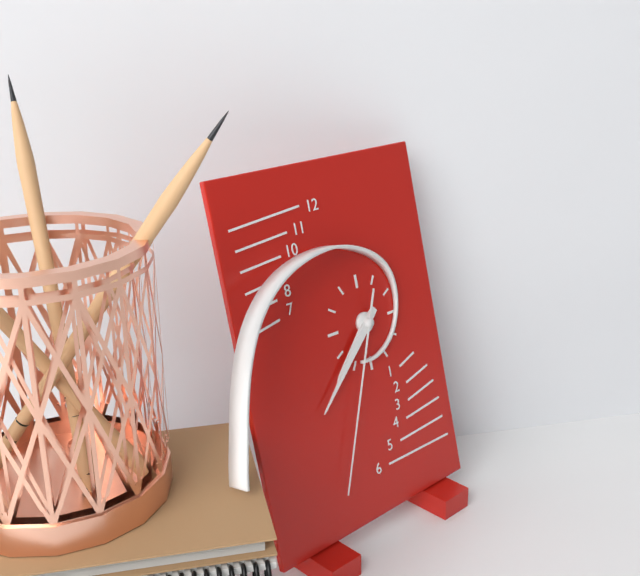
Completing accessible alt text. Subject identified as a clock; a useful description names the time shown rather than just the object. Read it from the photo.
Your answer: 7:38:34
